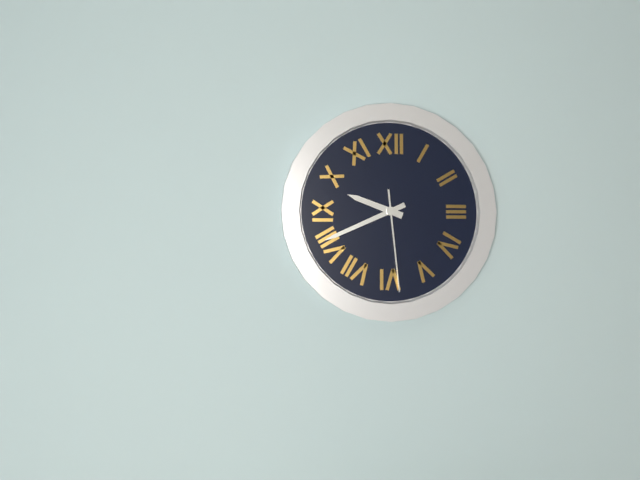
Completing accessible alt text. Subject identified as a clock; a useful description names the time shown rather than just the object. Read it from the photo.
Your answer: 9:41:29
